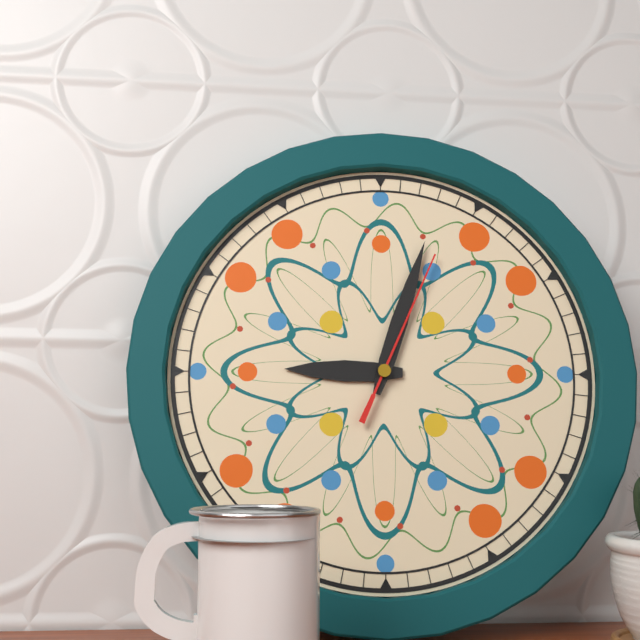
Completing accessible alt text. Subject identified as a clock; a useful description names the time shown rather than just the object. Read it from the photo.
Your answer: 9:03:04
